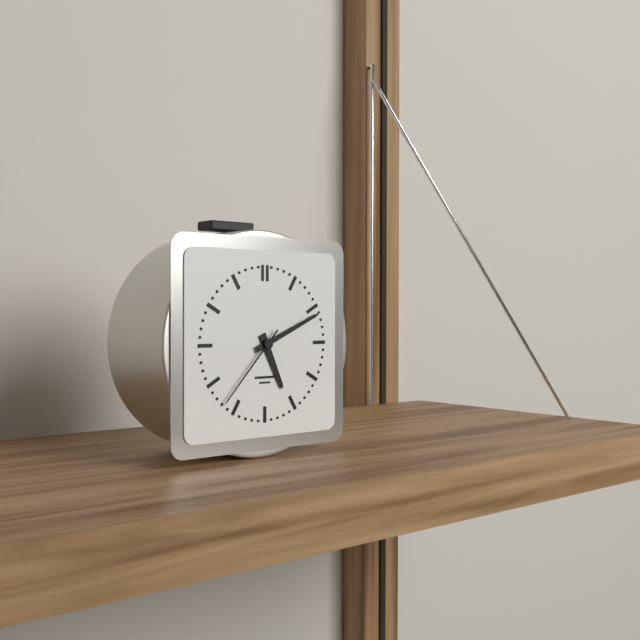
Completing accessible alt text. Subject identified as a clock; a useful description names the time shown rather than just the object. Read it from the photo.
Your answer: 5:11:37
